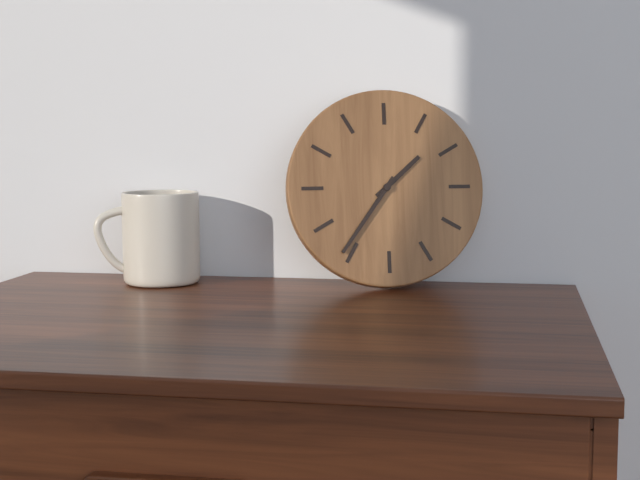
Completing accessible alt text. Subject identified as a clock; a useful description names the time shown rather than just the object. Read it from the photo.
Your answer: 1:36
